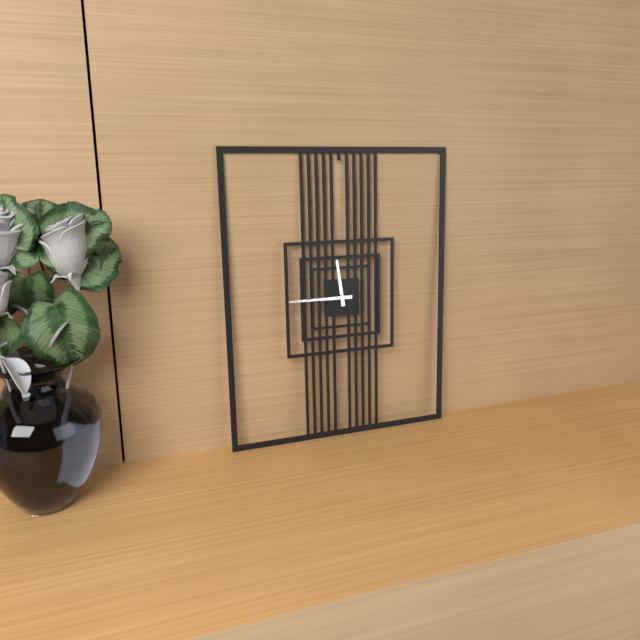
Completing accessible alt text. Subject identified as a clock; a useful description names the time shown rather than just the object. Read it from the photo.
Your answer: 11:45
